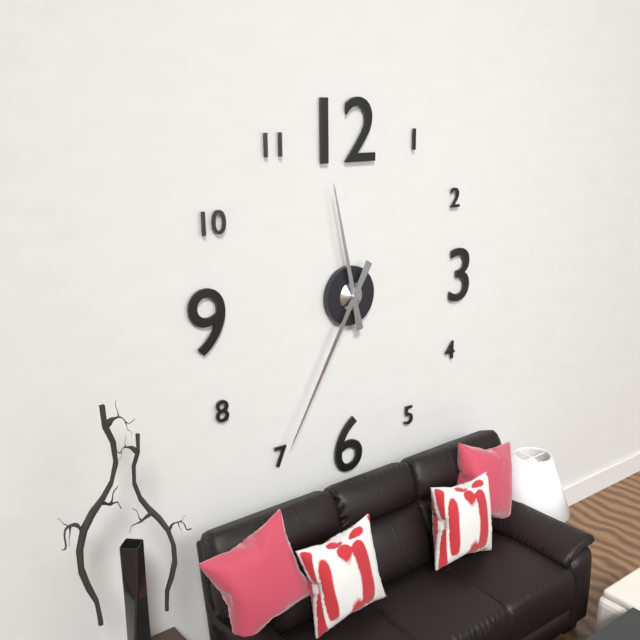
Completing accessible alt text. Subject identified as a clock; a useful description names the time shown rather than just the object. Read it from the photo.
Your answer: 11:35
